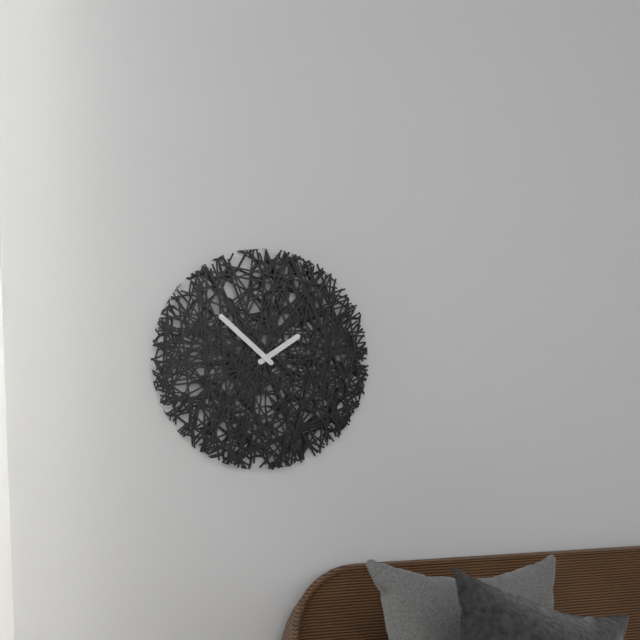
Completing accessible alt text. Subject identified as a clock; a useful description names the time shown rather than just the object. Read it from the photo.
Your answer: 1:52
